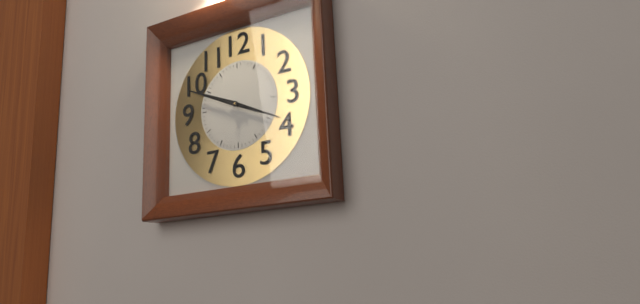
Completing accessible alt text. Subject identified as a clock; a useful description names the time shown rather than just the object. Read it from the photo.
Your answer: 3:49
